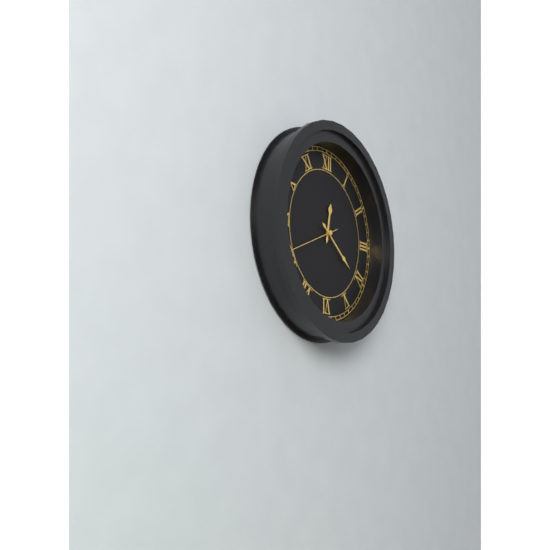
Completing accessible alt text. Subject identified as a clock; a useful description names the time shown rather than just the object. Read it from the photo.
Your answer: 12:21:41
